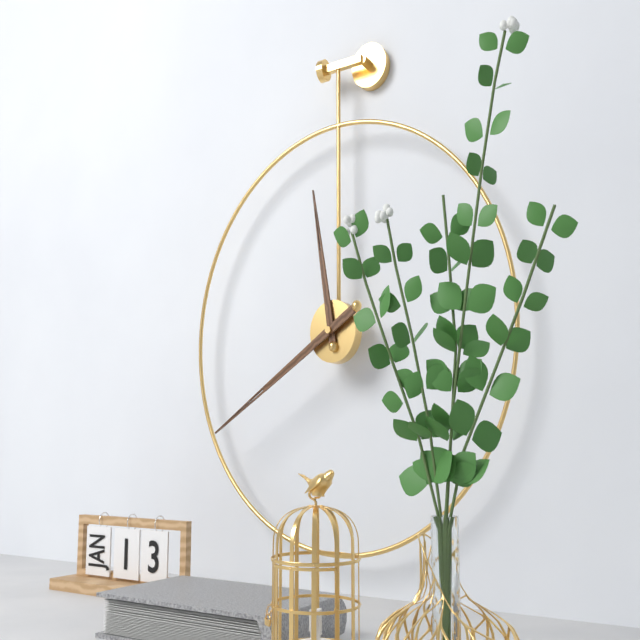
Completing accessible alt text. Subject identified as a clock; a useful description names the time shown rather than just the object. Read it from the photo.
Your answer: 11:40
